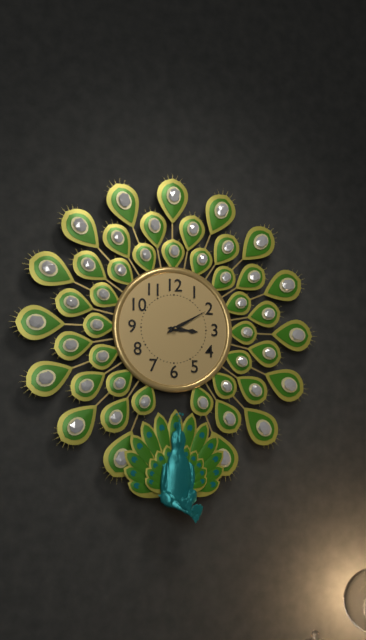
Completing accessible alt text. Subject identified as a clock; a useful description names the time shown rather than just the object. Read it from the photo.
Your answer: 3:10
